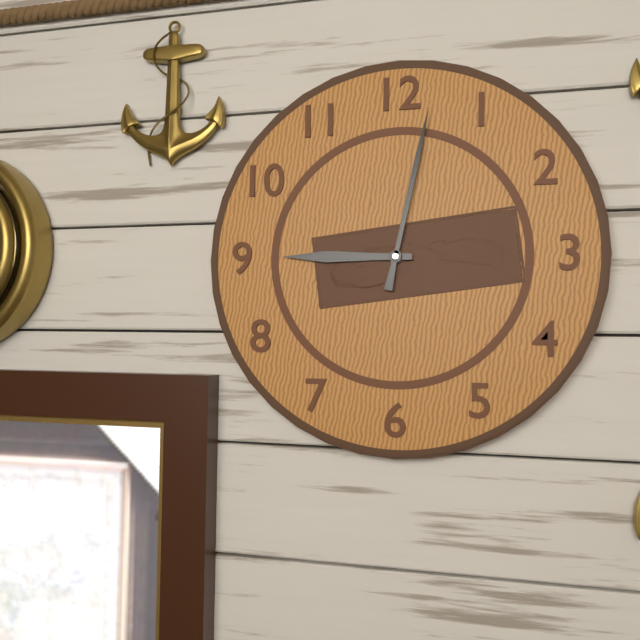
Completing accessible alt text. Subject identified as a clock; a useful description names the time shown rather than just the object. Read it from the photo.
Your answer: 9:02
